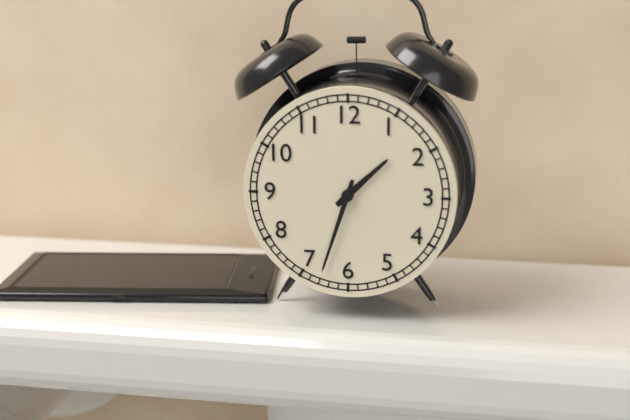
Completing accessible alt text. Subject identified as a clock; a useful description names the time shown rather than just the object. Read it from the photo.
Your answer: 1:33
